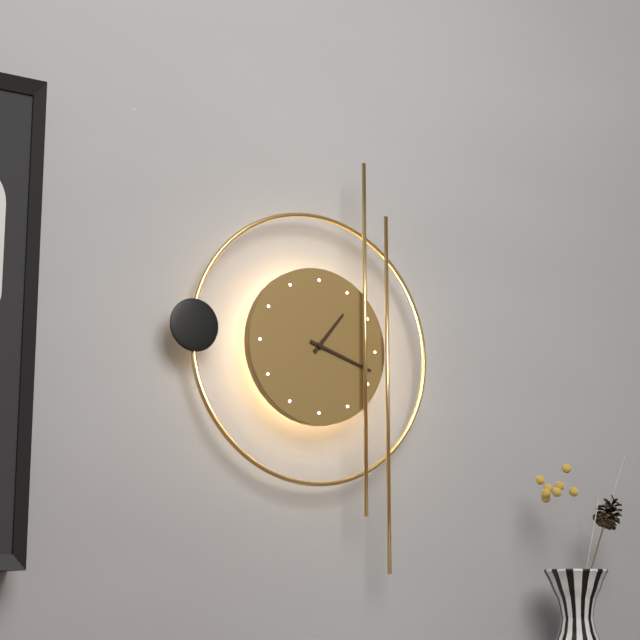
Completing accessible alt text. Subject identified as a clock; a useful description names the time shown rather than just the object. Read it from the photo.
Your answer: 1:18
